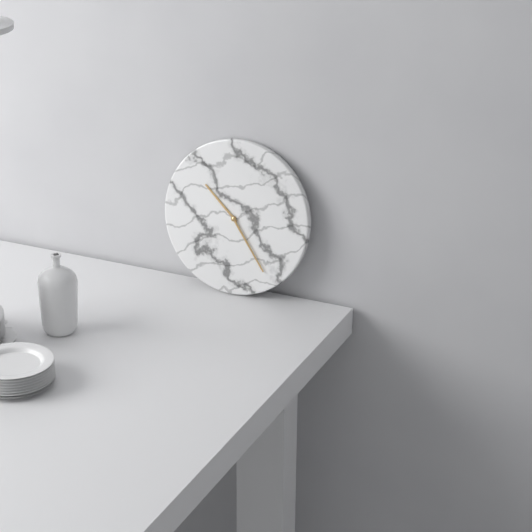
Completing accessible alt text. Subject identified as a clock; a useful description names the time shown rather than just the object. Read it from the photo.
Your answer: 10:24
